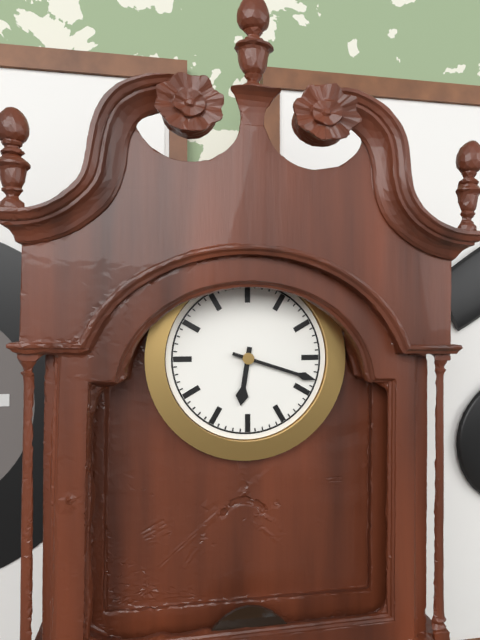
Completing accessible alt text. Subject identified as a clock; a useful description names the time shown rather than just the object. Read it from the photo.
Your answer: 6:18
